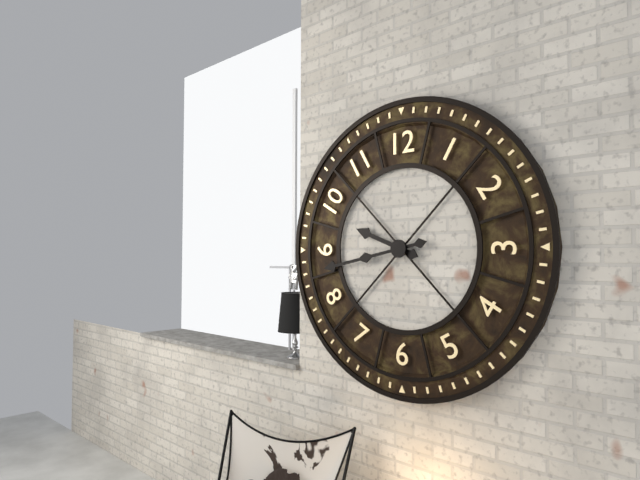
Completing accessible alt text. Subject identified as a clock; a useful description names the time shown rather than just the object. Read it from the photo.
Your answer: 9:43
